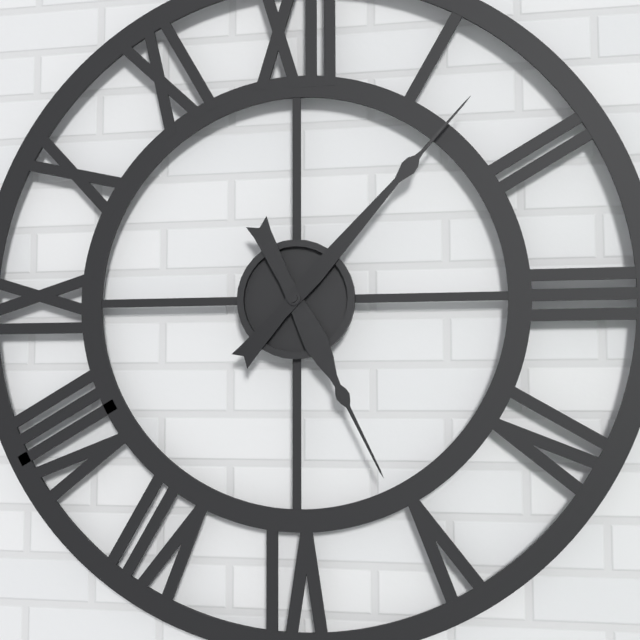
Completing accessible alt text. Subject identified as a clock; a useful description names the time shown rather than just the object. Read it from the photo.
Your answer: 5:07
